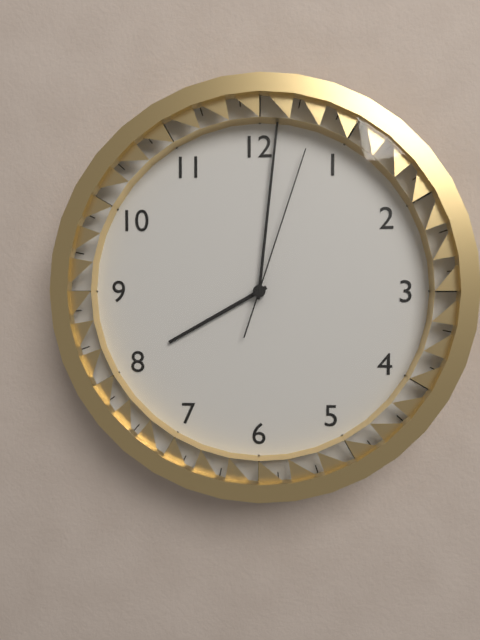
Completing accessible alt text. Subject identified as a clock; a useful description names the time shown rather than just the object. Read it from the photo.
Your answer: 8:01:03
